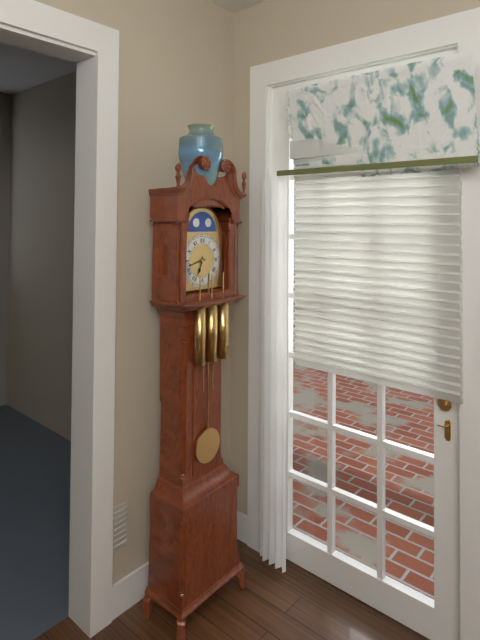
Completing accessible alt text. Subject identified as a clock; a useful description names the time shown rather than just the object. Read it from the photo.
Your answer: 6:43
